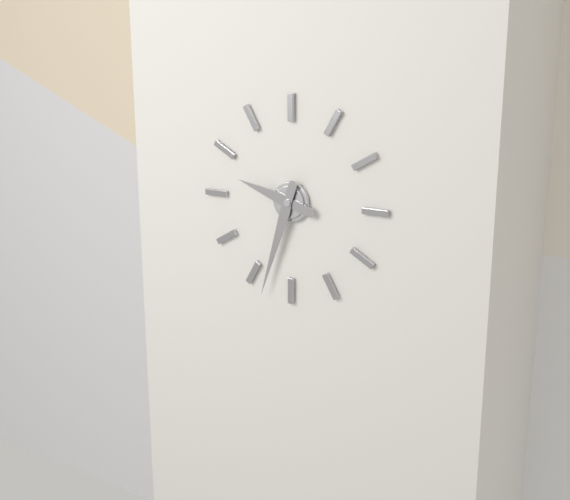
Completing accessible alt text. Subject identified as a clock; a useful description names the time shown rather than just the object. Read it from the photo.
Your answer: 9:33
